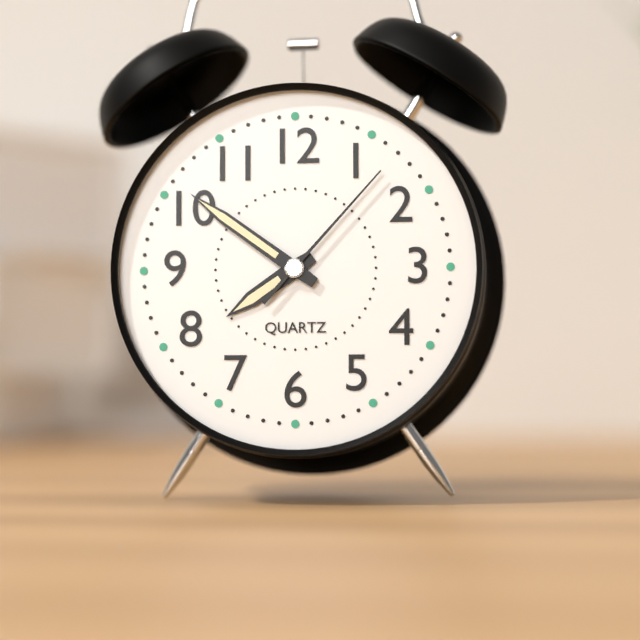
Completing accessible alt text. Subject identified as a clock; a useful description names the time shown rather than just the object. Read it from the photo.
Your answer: 7:51:07
